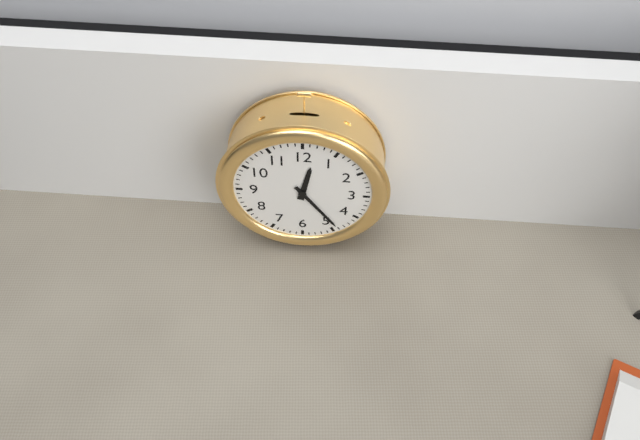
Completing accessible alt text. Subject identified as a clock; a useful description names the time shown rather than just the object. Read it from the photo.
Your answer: 12:24
